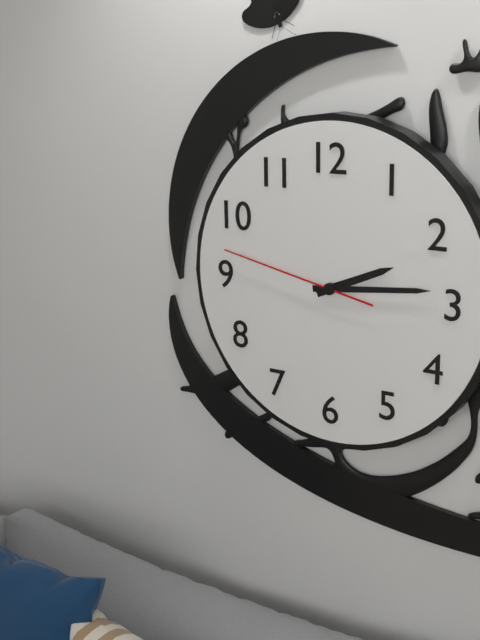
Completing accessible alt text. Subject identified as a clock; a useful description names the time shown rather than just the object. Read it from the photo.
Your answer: 2:14:47
